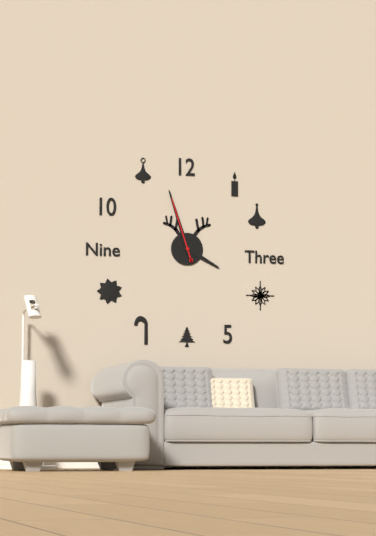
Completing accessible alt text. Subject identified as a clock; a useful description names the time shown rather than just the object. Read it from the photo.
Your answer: 3:57:57
